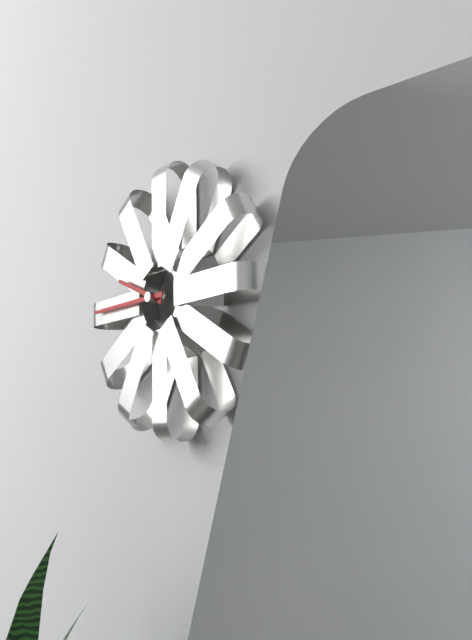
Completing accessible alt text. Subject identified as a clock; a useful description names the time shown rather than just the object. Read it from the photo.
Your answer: 9:45
